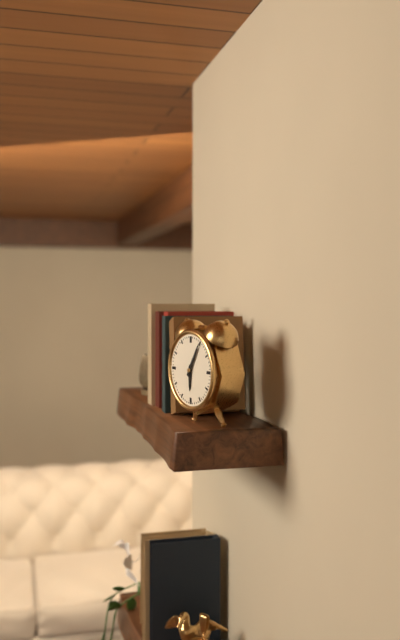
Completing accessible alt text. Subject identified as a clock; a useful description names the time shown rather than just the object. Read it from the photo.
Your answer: 6:05
